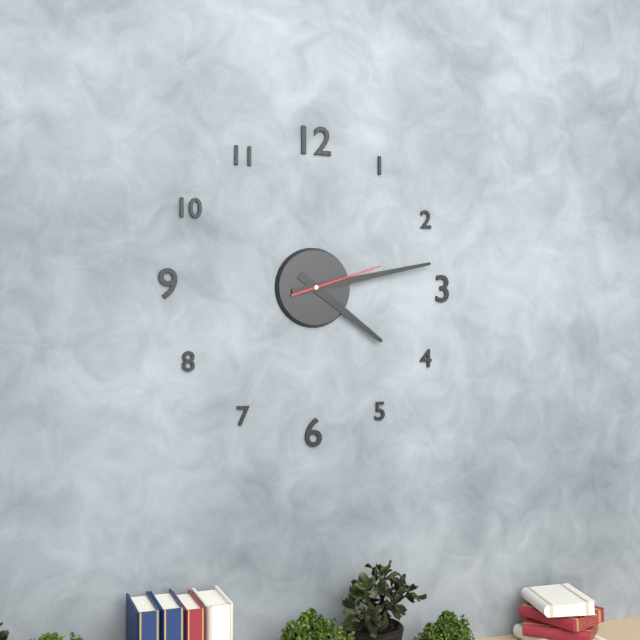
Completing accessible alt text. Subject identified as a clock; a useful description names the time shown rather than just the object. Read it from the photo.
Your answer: 4:13:12
